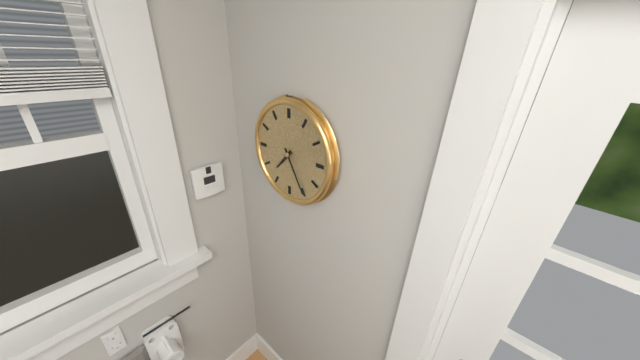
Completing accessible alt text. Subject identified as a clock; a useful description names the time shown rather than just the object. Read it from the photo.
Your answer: 7:25
